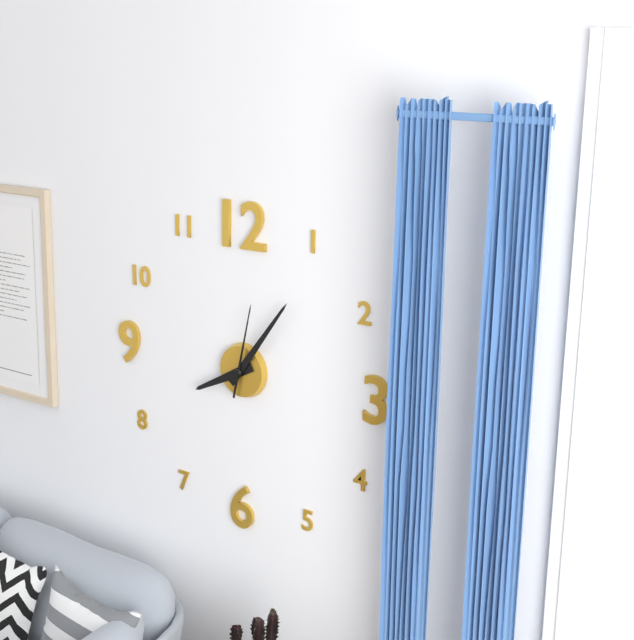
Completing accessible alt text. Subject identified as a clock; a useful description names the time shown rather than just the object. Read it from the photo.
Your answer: 8:06:02
